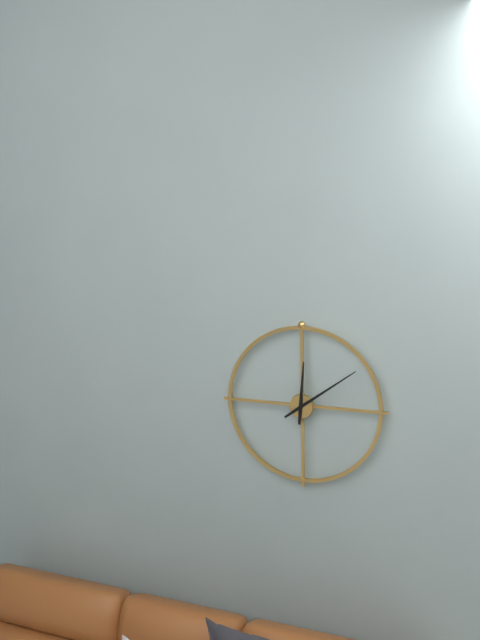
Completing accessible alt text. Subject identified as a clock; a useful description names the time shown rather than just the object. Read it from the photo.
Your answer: 12:09
